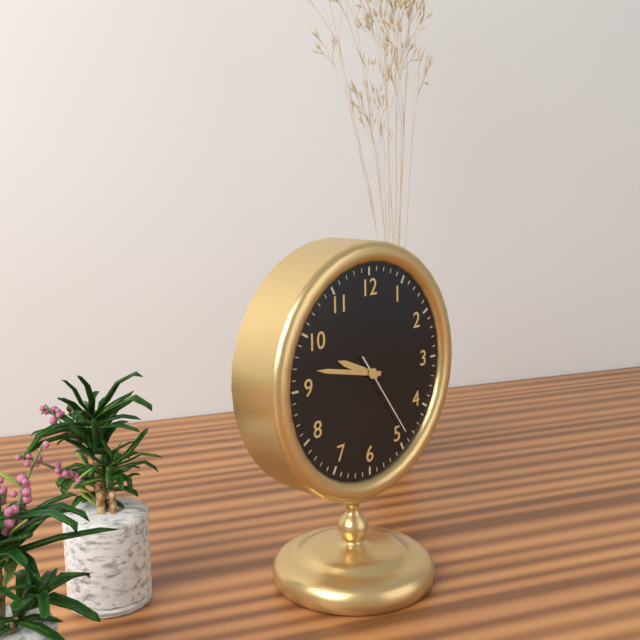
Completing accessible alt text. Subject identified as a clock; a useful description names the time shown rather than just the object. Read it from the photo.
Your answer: 9:47:24
